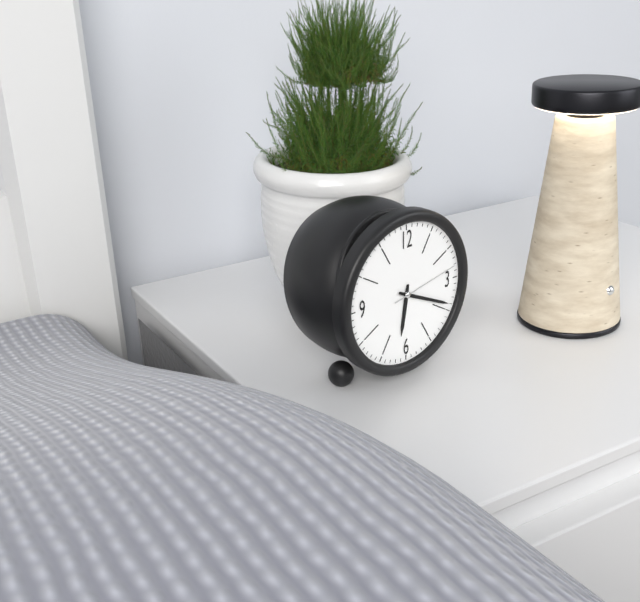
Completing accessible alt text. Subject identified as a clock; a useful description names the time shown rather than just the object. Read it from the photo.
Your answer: 6:19:13
